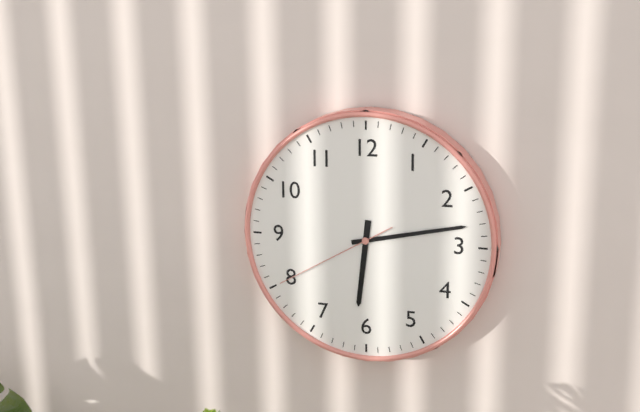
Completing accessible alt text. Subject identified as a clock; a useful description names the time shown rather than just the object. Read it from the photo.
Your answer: 6:13:40
